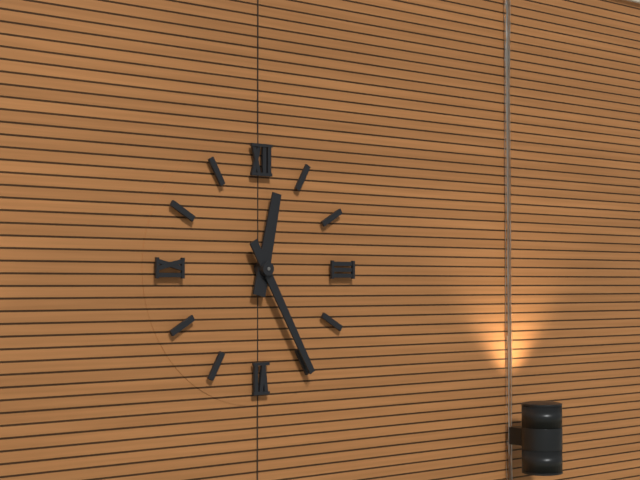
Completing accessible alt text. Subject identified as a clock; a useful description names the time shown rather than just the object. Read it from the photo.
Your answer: 12:25
